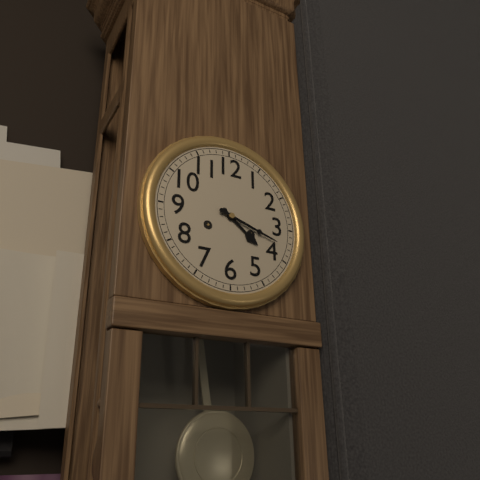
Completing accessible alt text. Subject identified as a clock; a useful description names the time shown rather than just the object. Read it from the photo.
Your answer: 4:18
